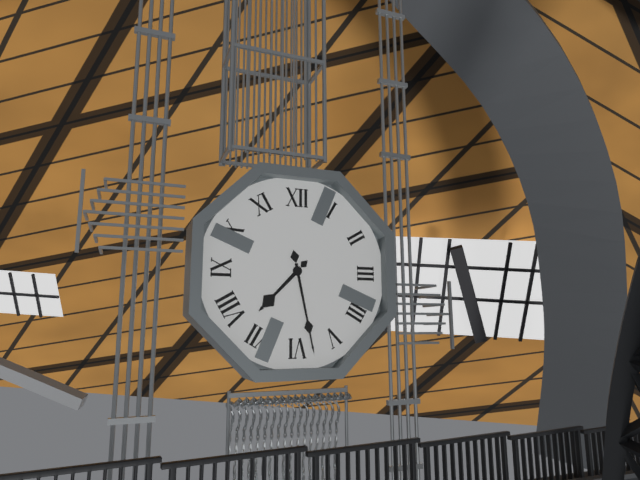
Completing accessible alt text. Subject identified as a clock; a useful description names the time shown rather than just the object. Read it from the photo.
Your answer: 7:28
